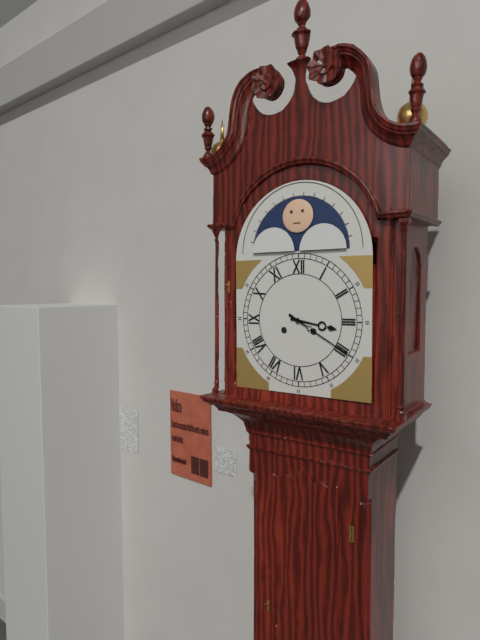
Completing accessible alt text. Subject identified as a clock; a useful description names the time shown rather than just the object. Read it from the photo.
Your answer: 3:20
